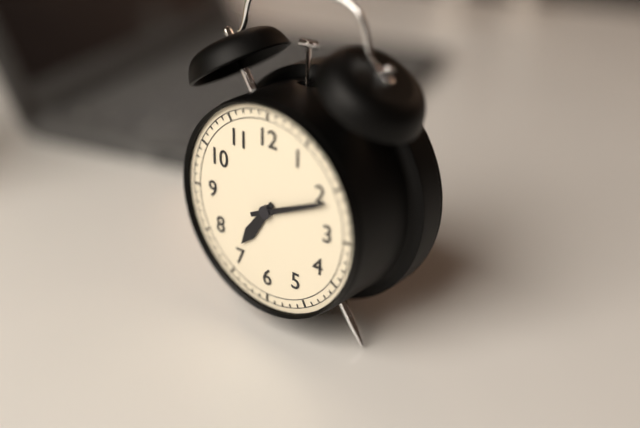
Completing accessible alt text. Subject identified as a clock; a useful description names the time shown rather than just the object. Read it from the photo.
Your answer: 7:11
